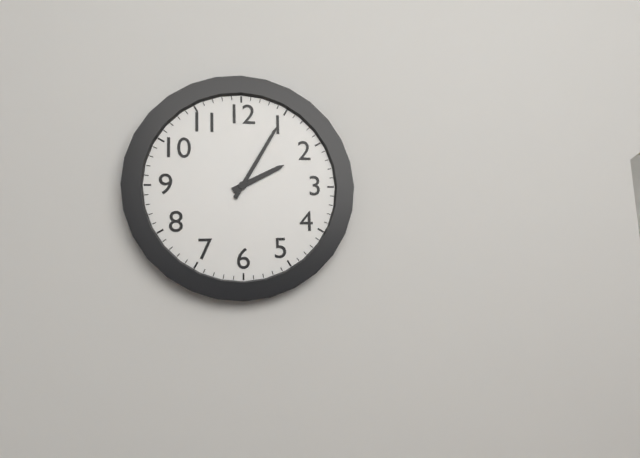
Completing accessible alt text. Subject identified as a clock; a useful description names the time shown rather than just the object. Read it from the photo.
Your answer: 2:05
